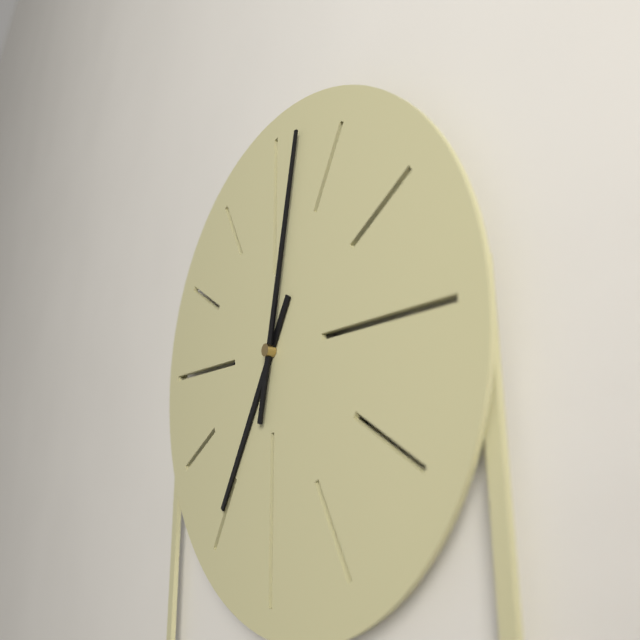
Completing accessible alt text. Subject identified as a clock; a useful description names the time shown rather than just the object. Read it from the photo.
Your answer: 7:02
